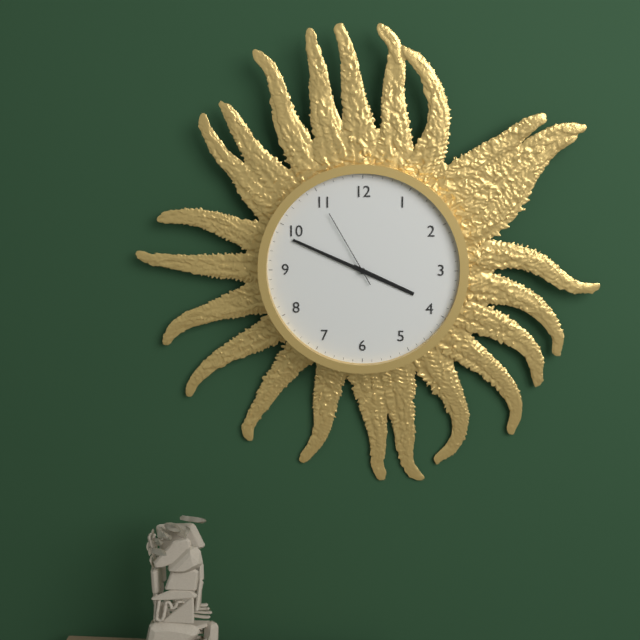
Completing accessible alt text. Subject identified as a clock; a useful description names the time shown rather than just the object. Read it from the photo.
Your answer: 3:49:55
